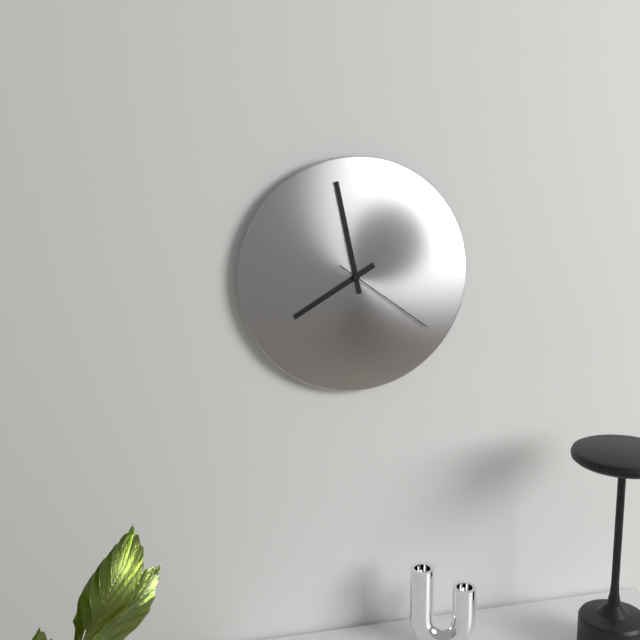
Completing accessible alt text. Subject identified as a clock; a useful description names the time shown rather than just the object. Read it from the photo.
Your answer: 7:58:21
